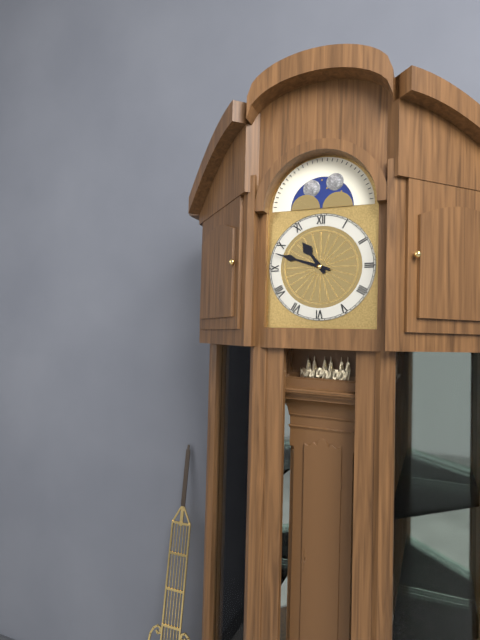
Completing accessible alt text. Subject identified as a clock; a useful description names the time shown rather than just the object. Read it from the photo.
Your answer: 10:48
